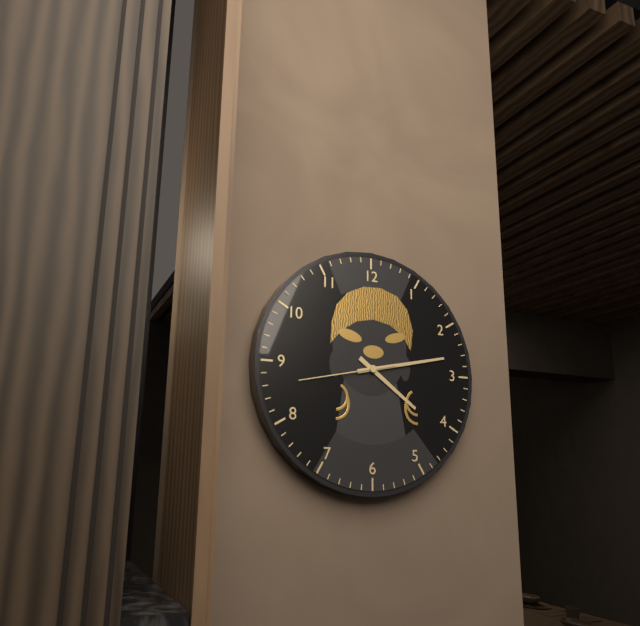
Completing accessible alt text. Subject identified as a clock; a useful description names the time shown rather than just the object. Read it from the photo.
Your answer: 4:13:43
